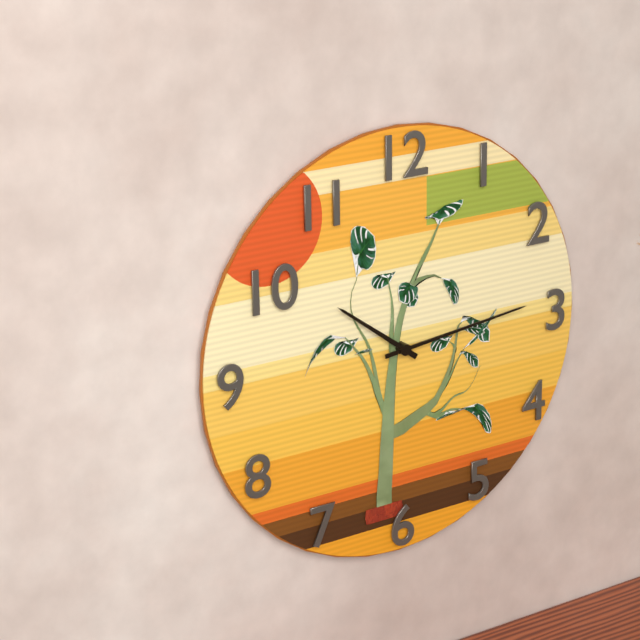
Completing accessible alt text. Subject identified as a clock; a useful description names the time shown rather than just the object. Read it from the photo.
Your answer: 10:14
